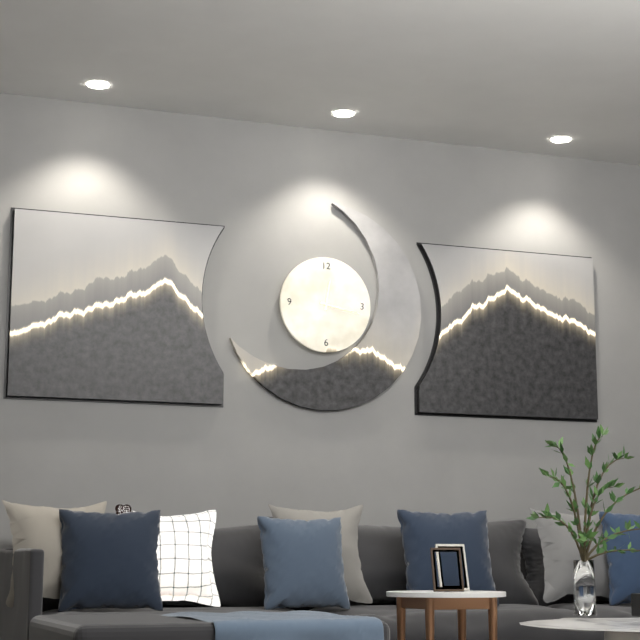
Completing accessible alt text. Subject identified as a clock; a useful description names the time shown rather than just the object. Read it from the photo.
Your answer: 12:17
